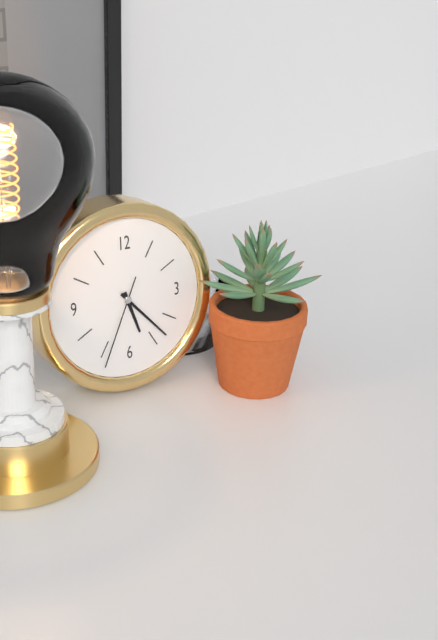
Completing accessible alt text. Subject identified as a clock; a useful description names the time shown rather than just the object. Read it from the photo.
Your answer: 5:23:34
